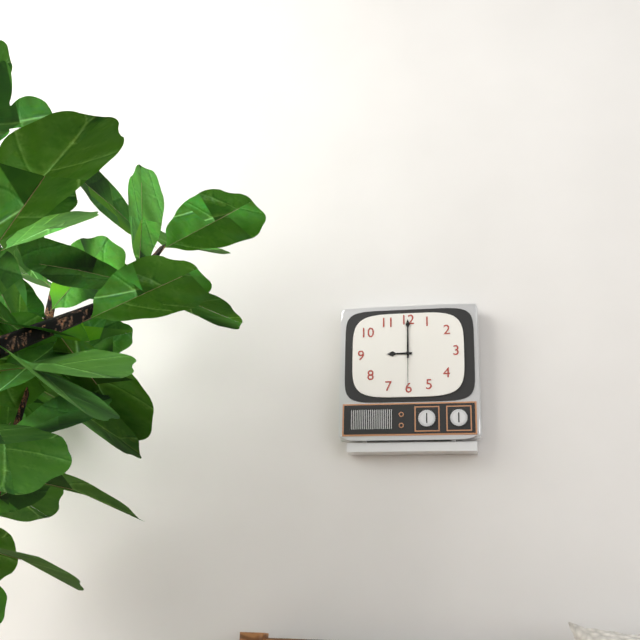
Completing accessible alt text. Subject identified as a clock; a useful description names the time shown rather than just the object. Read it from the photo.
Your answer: 9:00
